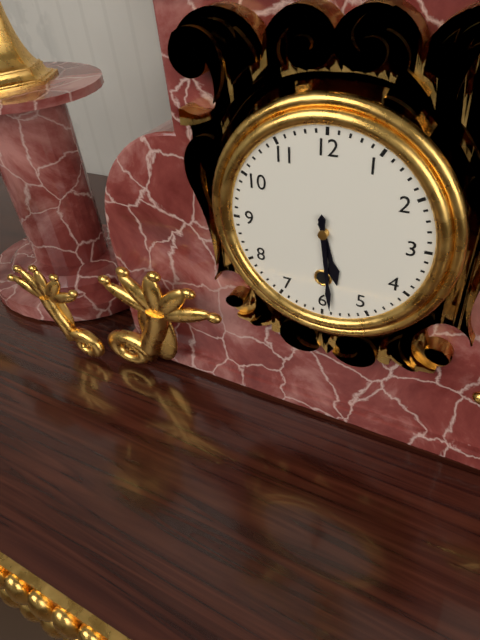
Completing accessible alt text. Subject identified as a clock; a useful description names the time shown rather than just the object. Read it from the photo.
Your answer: 5:29
